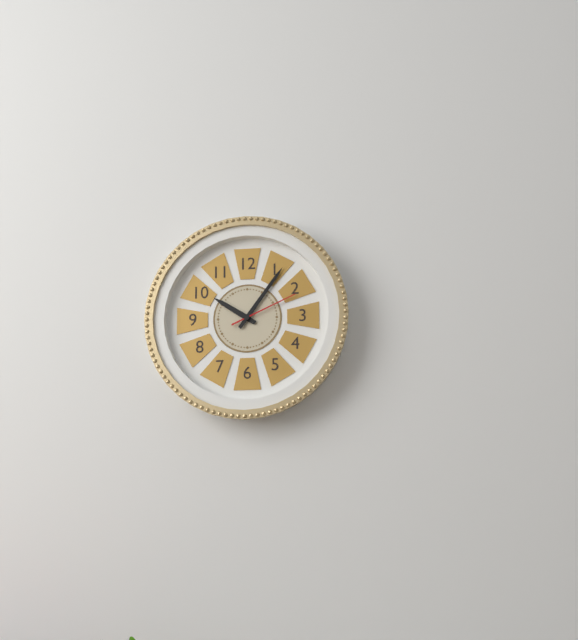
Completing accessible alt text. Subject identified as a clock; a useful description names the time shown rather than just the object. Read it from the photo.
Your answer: 10:06:11
